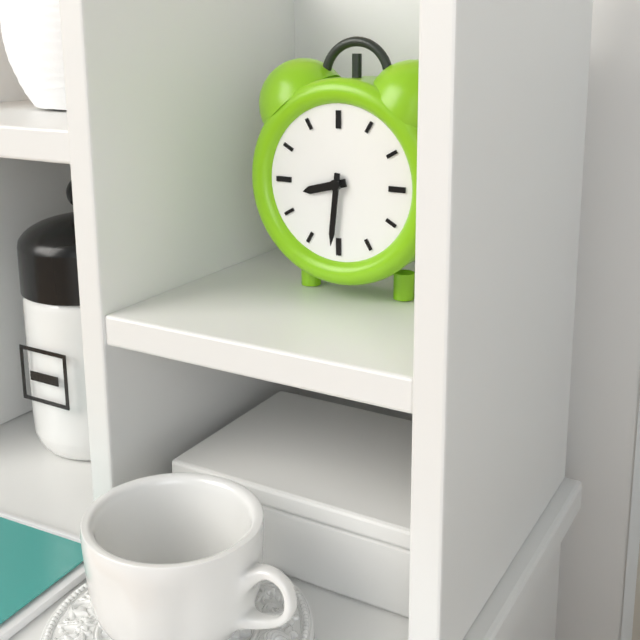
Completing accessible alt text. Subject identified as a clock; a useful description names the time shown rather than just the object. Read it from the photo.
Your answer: 8:31
